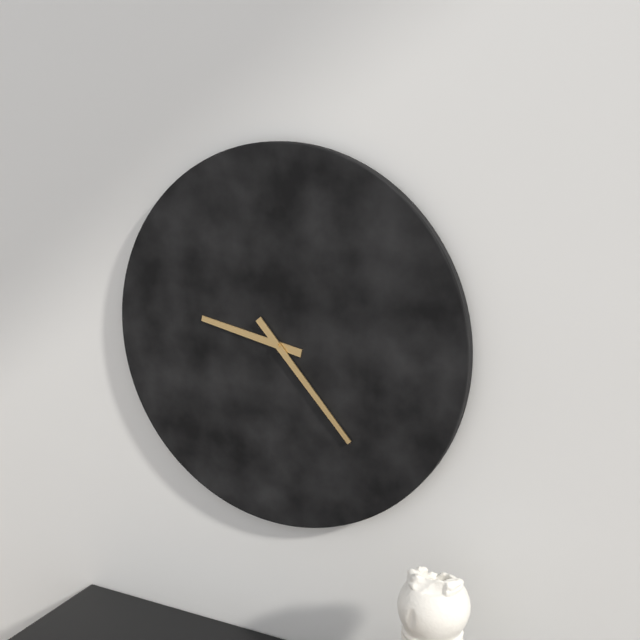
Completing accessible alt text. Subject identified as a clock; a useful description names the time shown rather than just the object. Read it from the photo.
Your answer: 9:23
